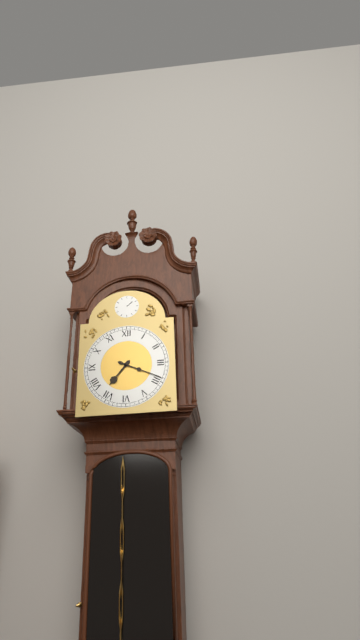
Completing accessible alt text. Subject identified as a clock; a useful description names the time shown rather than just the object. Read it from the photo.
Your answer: 7:19
